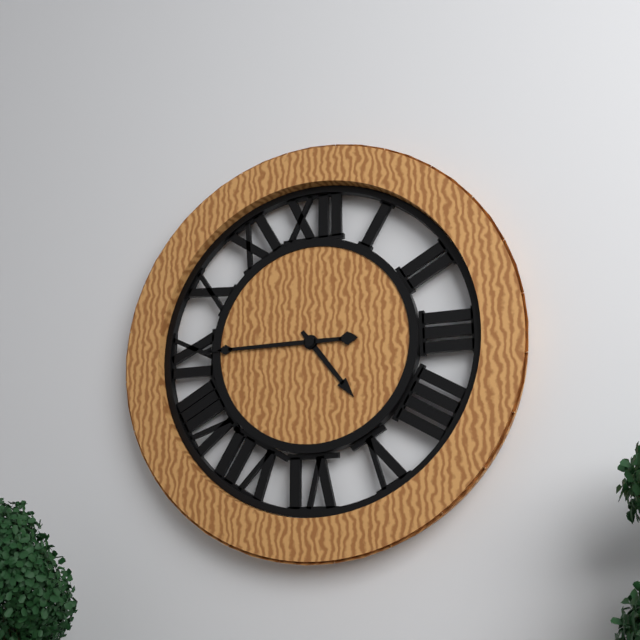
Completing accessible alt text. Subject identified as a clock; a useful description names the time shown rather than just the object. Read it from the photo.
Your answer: 4:45
